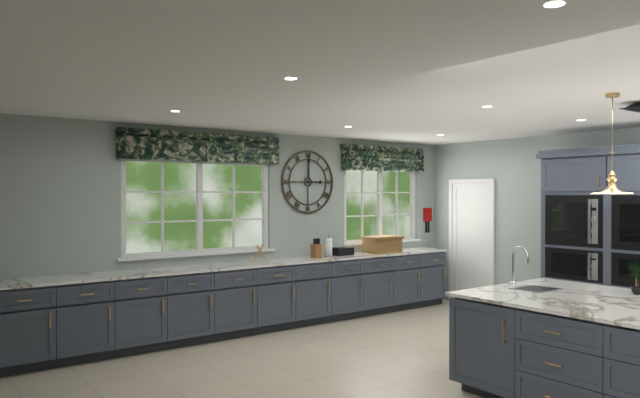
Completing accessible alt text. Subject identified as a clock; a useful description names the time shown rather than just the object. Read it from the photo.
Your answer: 3:00
